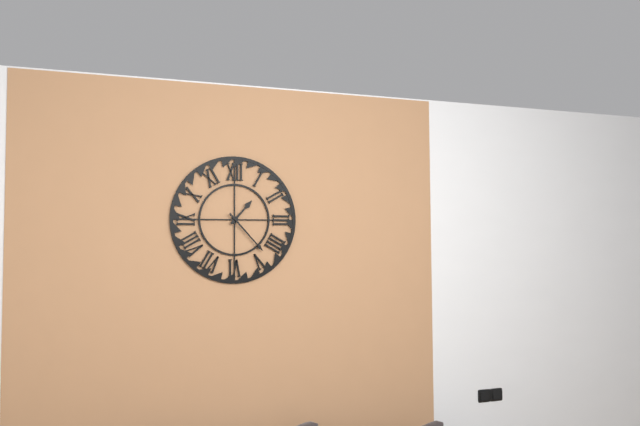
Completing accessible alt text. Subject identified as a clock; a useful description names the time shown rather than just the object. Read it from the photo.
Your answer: 1:23
